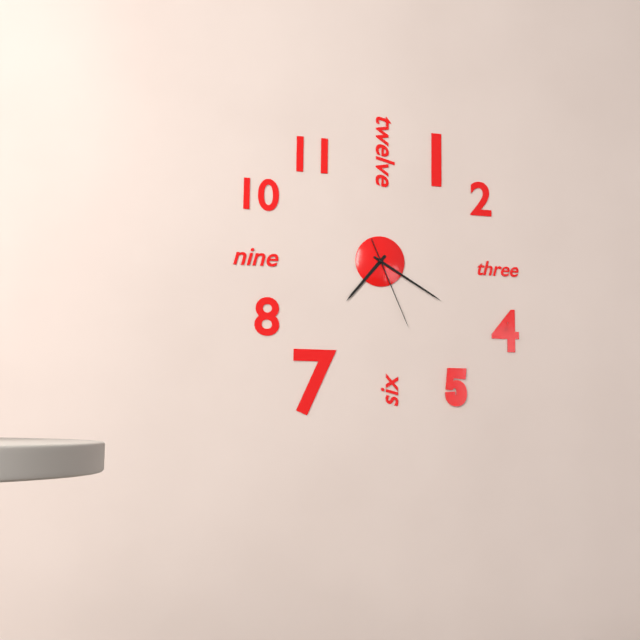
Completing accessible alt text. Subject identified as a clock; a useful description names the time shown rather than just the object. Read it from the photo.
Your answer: 7:20:26
